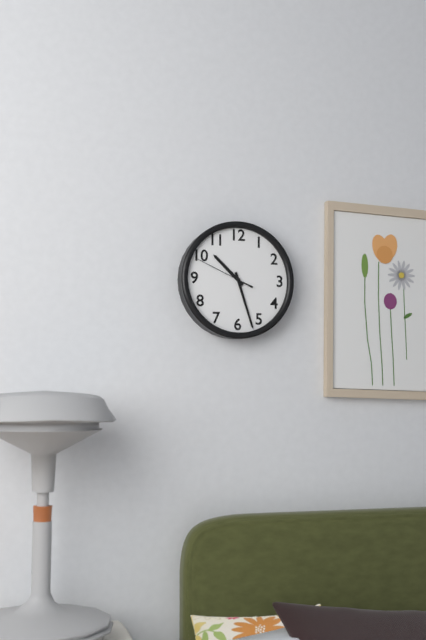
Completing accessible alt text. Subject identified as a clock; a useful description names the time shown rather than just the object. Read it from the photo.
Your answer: 10:27:49
